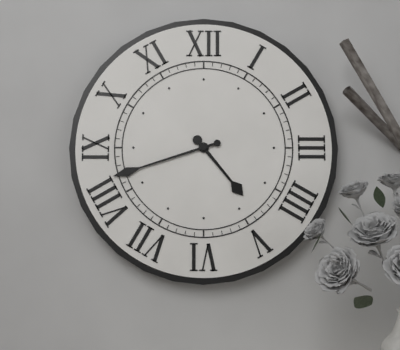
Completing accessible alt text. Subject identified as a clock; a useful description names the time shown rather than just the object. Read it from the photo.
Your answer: 4:42
